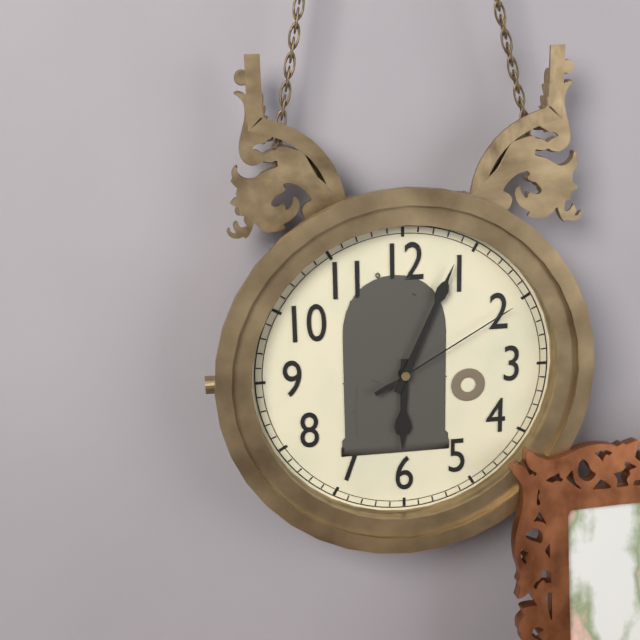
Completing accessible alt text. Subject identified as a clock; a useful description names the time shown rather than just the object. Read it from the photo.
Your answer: 6:04:10
